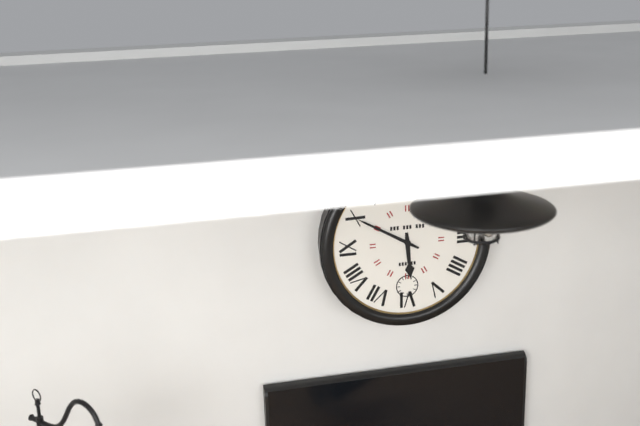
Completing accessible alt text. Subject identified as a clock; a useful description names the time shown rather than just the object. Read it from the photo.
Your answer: 5:50
